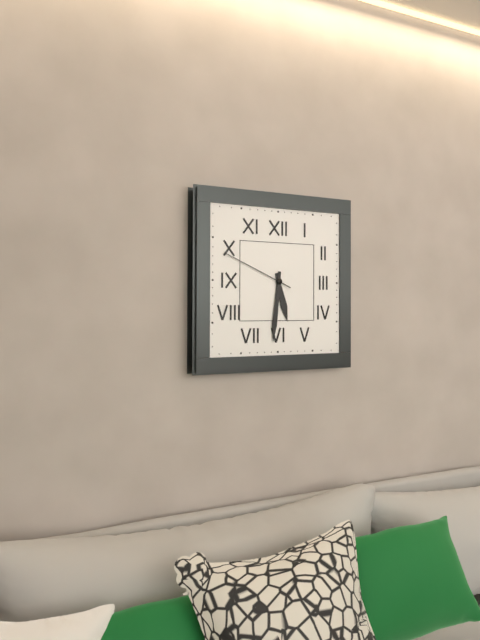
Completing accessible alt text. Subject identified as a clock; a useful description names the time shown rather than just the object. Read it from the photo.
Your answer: 5:31:49
